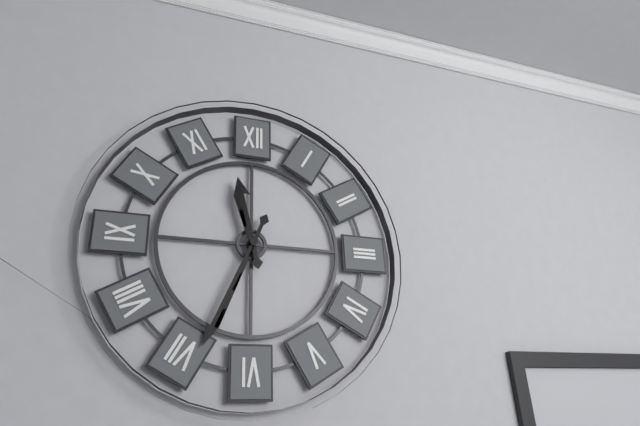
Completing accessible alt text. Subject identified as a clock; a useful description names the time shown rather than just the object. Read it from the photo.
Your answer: 11:34
